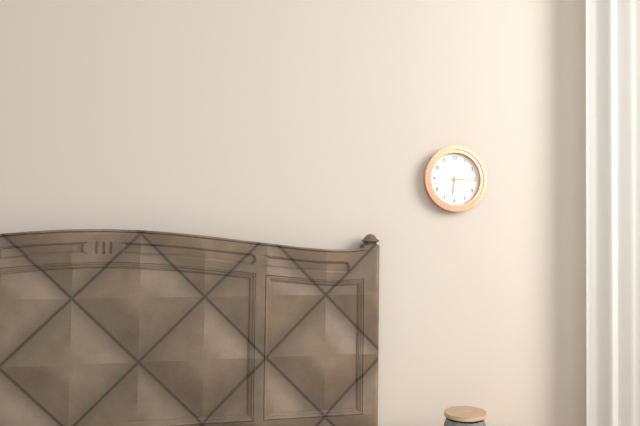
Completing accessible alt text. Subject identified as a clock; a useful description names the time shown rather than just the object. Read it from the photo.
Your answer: 6:15
